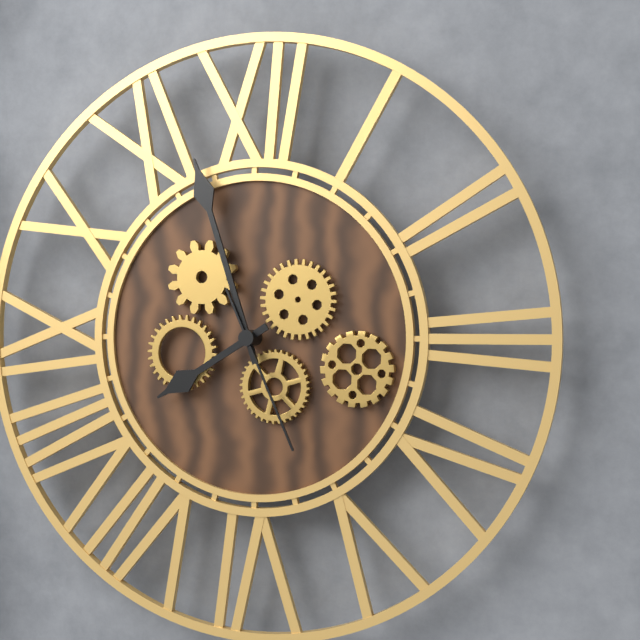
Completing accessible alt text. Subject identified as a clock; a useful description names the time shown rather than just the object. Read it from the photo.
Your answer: 7:57:26
